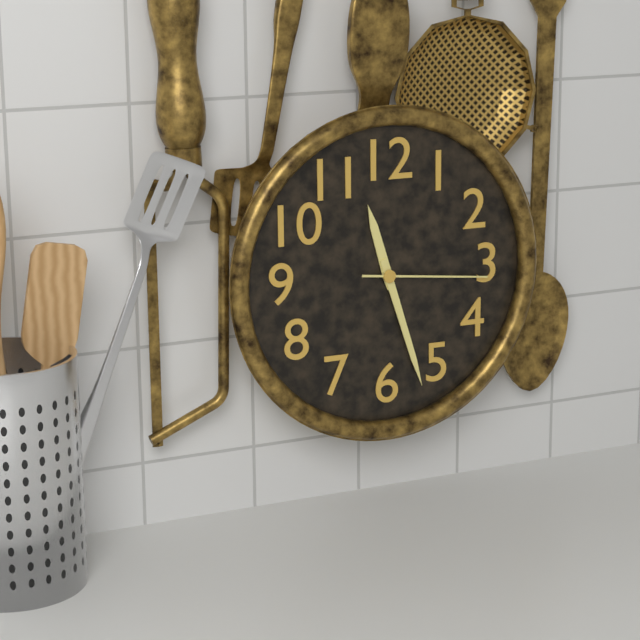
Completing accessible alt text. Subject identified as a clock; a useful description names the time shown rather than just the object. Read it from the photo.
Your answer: 11:27:16
